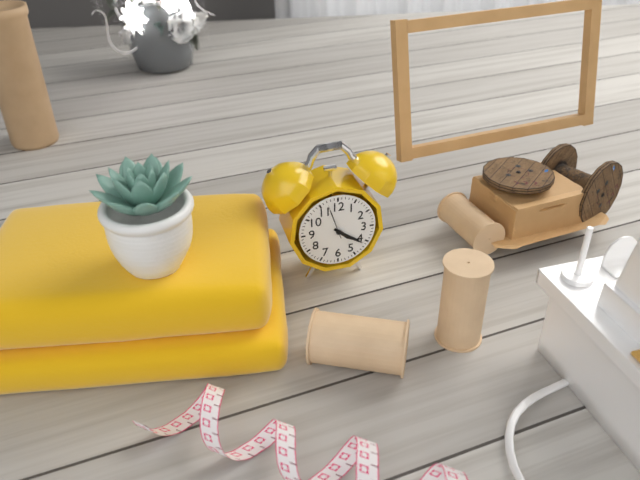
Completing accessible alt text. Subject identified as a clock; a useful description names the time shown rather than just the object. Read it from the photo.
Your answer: 4:21
